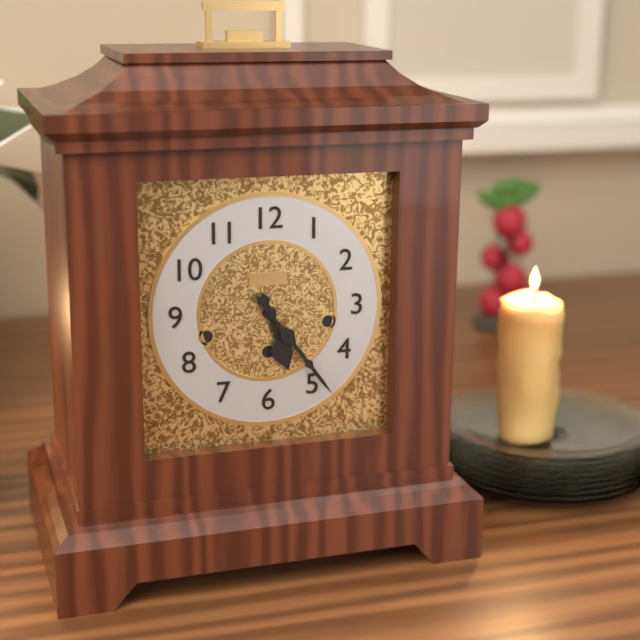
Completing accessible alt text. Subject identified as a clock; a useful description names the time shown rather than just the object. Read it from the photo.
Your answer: 5:24
